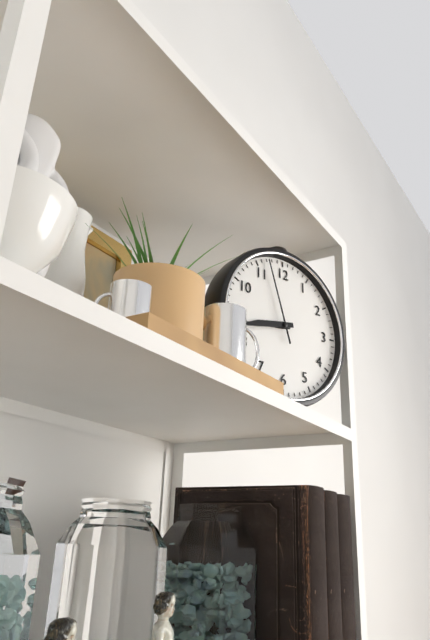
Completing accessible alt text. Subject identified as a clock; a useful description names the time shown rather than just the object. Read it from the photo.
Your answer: 8:43:57
